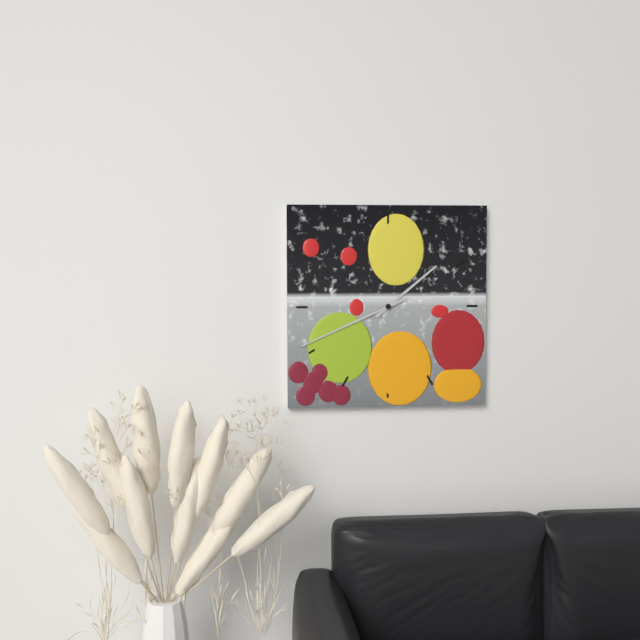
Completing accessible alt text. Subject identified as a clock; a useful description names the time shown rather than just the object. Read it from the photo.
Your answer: 1:41
